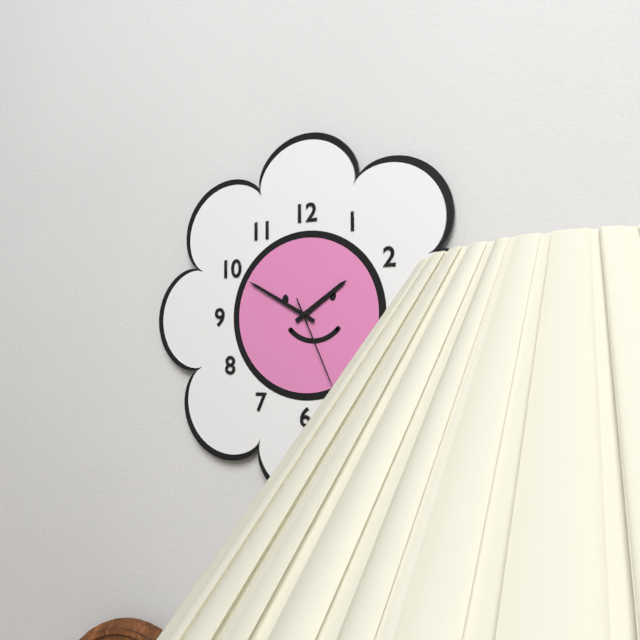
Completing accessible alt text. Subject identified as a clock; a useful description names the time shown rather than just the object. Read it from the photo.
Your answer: 1:50:26
